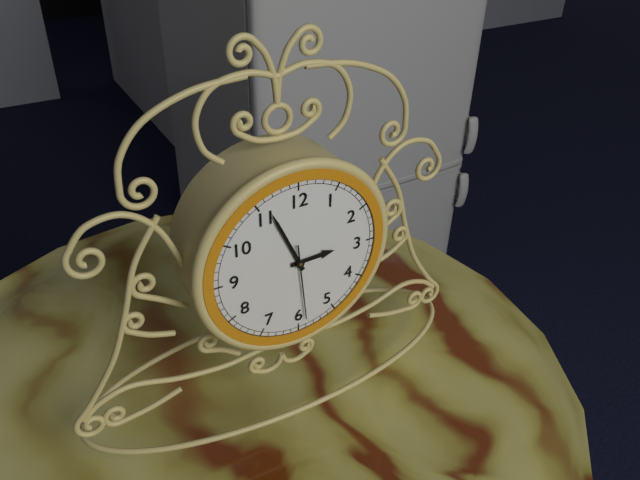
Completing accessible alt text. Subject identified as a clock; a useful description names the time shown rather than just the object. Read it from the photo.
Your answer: 2:56:29
